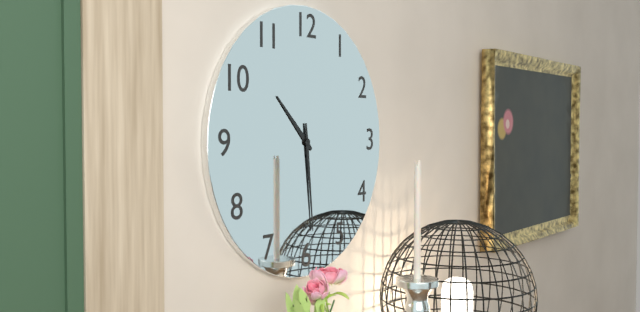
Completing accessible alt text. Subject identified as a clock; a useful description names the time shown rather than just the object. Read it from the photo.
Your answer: 10:29
